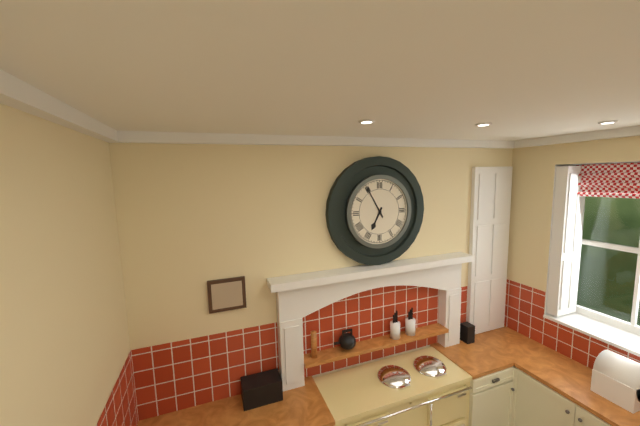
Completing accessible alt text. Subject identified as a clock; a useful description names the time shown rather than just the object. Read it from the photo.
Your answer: 6:55
